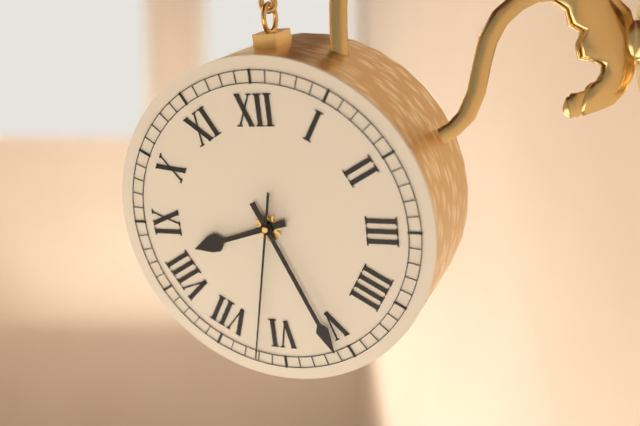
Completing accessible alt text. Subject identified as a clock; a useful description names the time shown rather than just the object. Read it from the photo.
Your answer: 8:26:32
